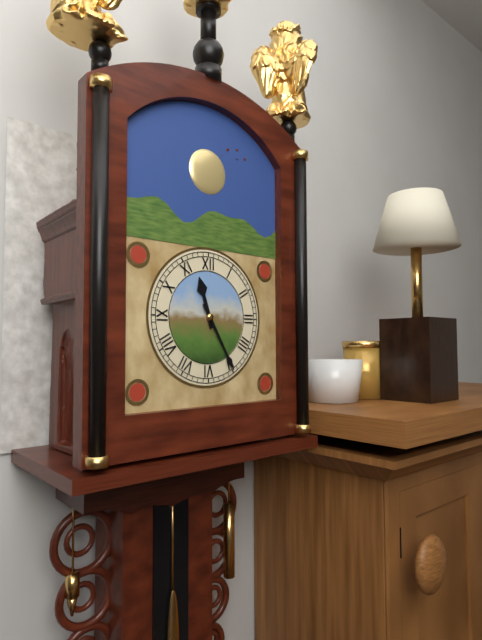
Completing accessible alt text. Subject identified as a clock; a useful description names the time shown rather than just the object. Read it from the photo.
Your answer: 11:25
